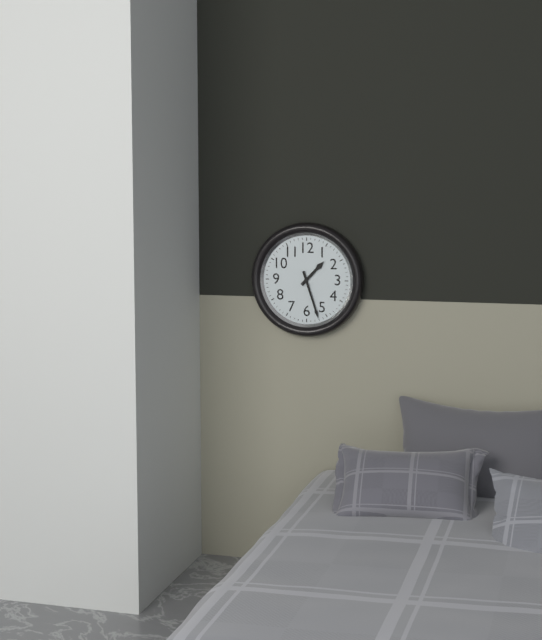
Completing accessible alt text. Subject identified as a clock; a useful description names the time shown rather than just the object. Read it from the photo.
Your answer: 1:27
